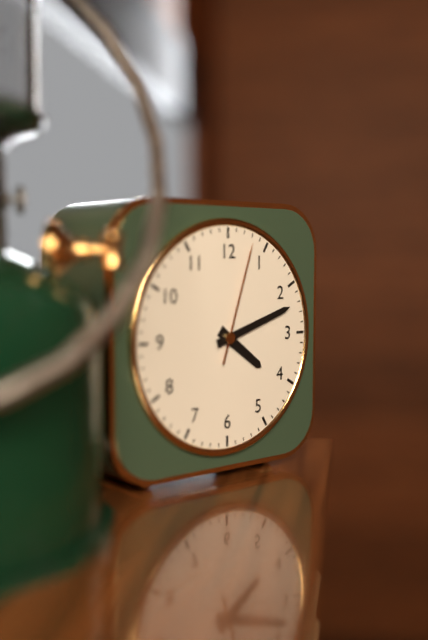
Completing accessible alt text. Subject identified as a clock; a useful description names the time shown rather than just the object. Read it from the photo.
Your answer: 4:12:03
